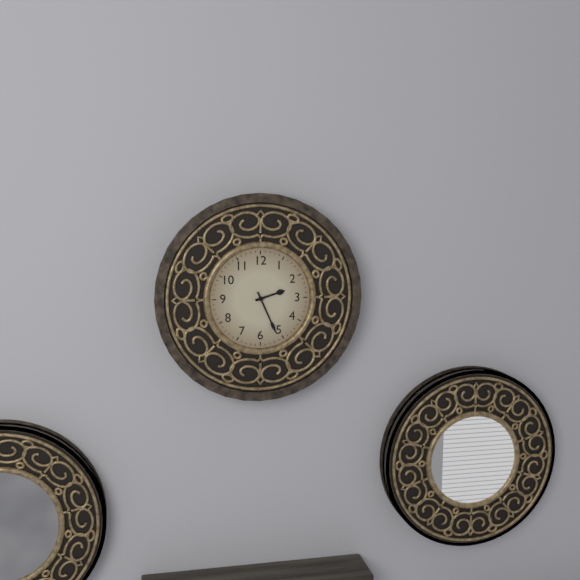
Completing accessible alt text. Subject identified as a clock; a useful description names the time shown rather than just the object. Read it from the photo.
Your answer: 2:26
